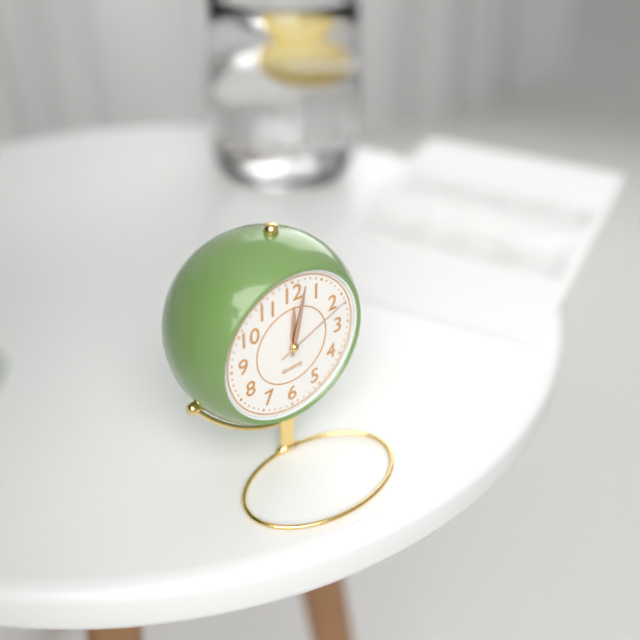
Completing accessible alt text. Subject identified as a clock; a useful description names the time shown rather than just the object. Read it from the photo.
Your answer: 12:02:11
